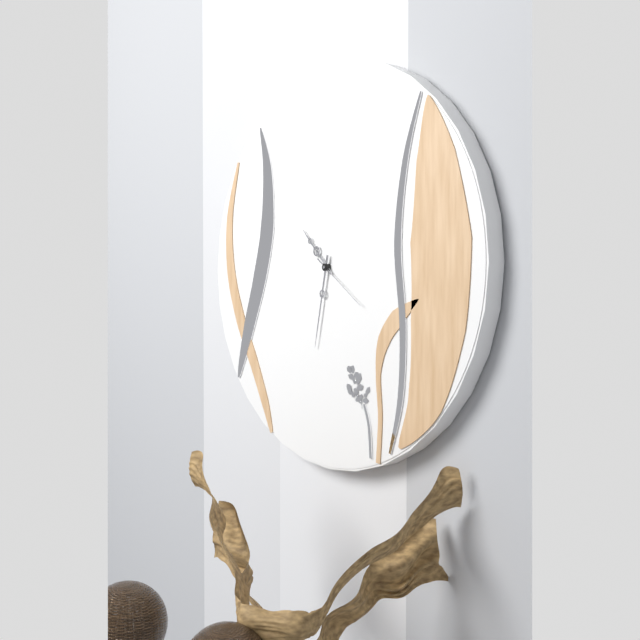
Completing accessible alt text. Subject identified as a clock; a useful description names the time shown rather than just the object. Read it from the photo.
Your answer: 10:32:21
